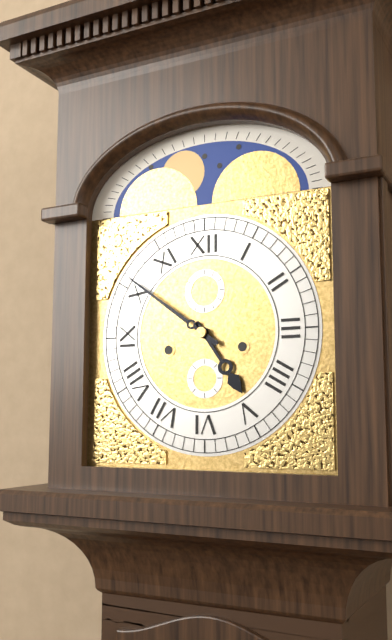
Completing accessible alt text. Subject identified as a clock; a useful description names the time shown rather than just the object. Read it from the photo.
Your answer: 4:51
